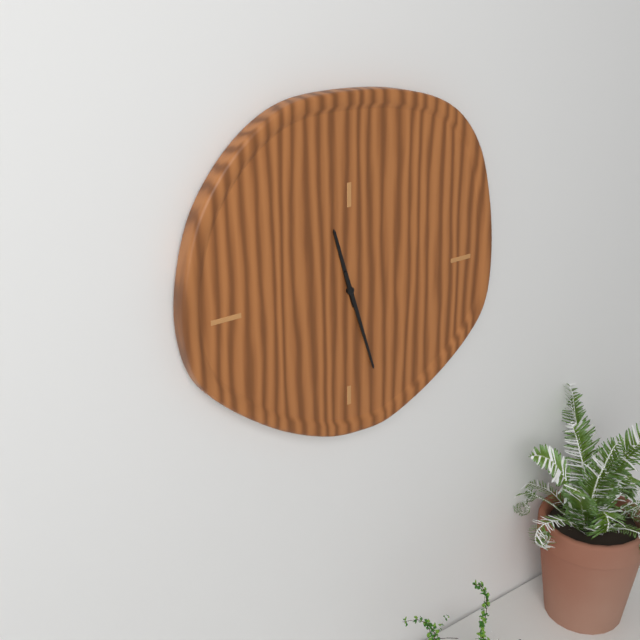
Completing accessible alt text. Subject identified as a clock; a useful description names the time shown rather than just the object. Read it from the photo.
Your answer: 11:27
